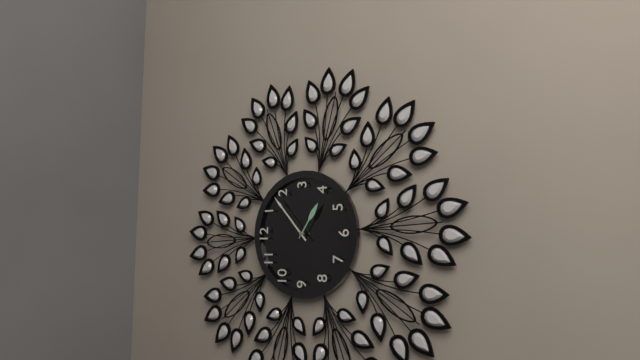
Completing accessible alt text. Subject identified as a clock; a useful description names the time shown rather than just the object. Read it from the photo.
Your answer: 4:08
